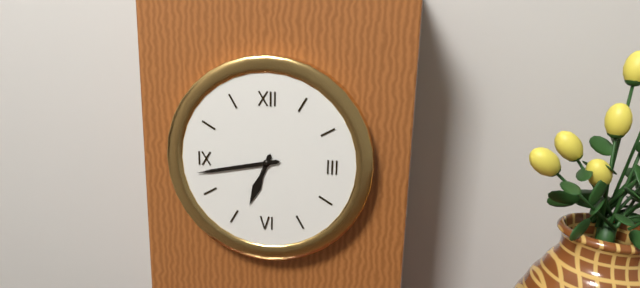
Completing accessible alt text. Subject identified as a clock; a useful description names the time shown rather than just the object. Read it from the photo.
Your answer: 6:43
